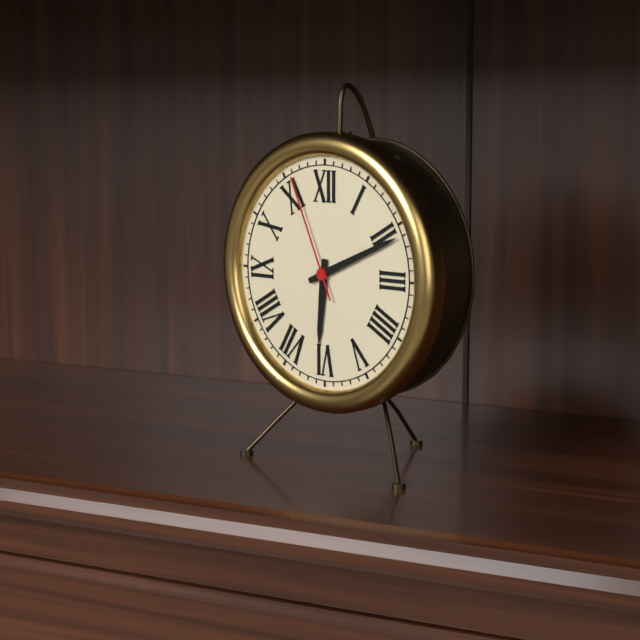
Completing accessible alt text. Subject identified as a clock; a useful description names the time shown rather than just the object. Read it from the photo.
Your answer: 6:11:56
